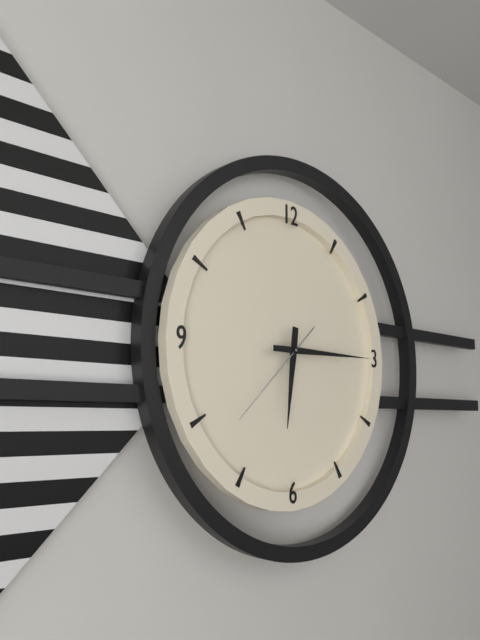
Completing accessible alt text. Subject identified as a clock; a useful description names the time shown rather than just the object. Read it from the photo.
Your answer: 6:15:38
